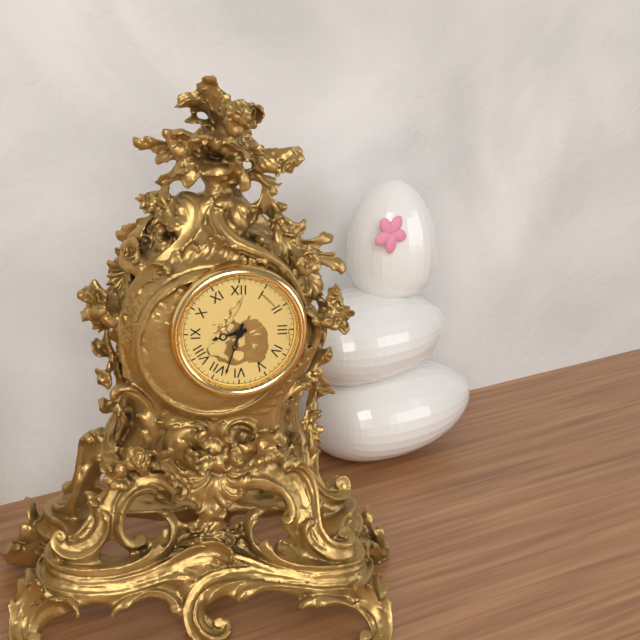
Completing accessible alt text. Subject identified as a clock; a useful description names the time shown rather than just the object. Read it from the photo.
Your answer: 8:33
